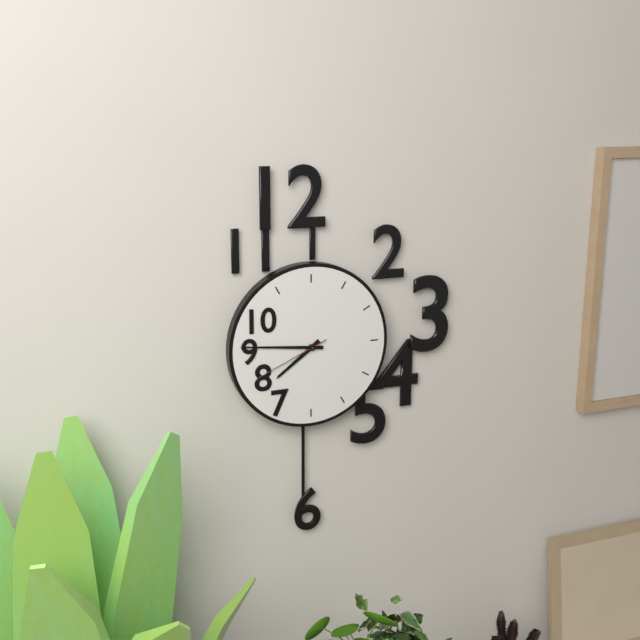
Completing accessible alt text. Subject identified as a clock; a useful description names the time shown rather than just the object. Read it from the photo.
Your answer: 7:46:41
